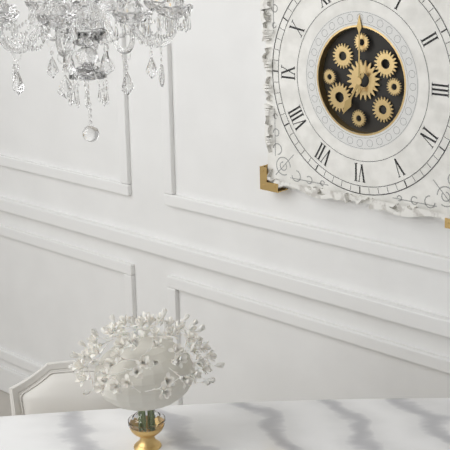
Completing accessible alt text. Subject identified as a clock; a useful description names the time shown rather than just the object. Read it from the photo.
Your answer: 7:00
